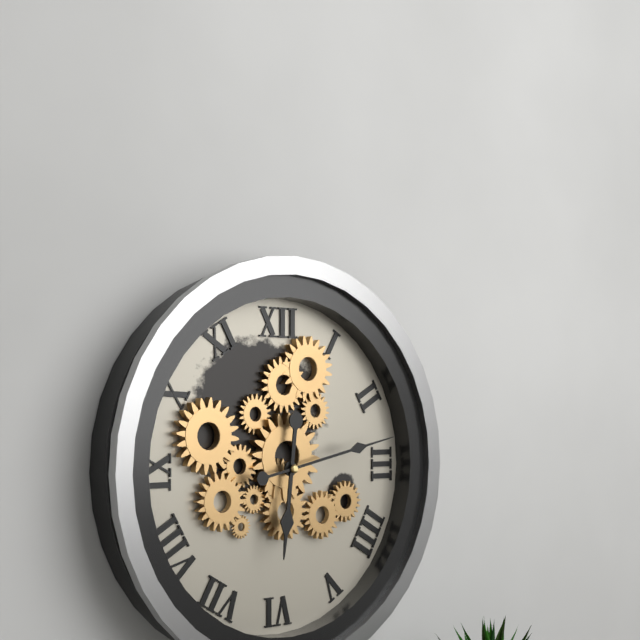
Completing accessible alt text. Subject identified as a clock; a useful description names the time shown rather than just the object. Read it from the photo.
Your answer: 6:13
